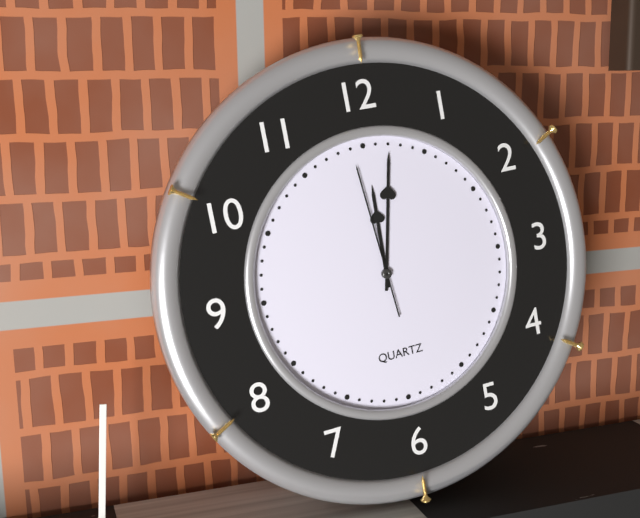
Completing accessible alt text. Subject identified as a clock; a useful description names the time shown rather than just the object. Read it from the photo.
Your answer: 12:02:59
